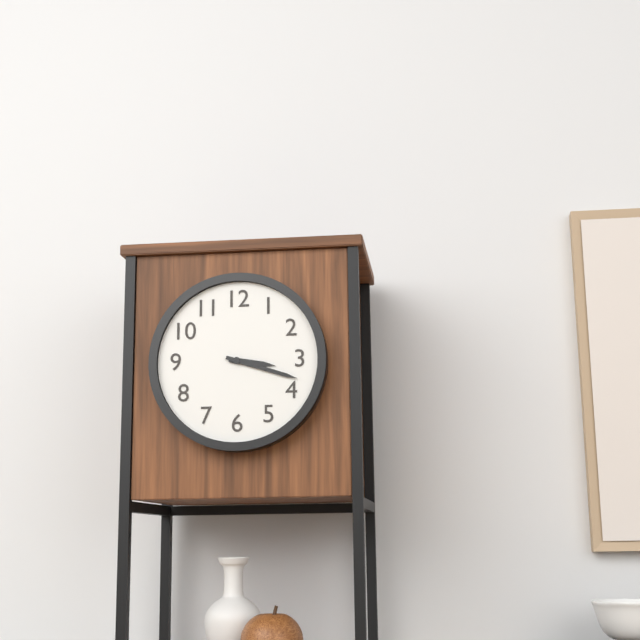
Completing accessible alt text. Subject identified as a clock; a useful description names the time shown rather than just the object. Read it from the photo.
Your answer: 3:18
